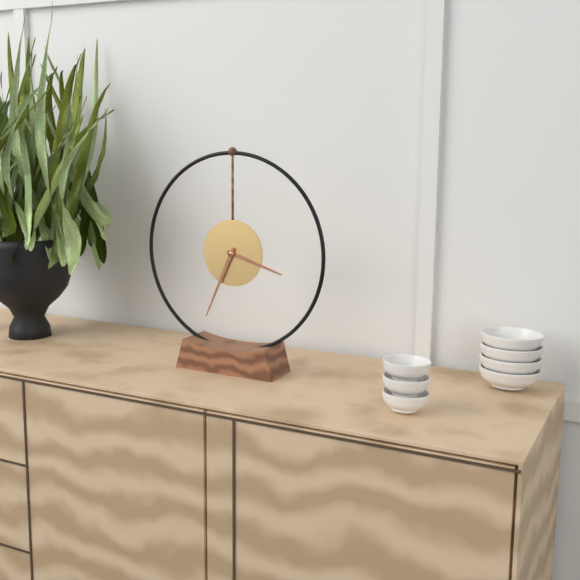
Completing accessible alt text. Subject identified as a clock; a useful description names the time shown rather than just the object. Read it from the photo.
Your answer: 3:34
